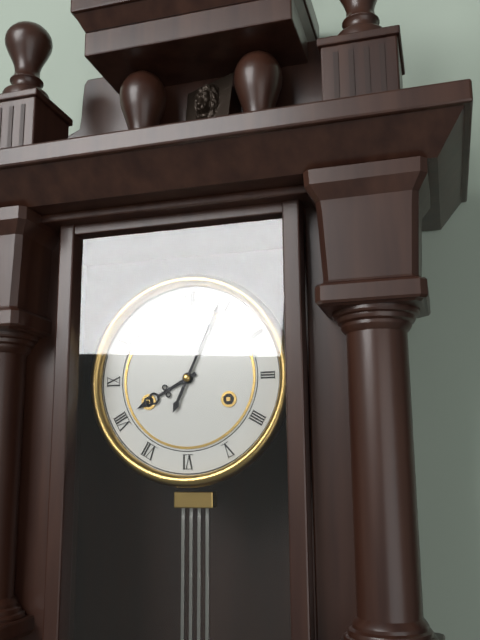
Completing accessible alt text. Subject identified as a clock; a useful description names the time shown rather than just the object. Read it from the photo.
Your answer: 8:04
